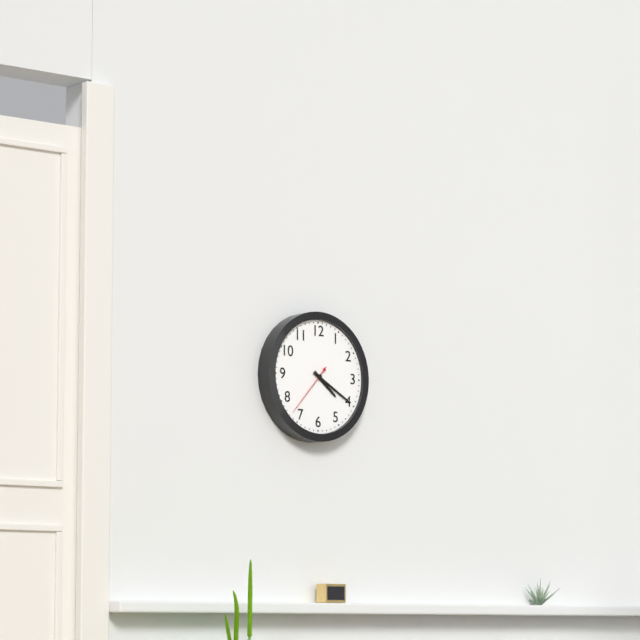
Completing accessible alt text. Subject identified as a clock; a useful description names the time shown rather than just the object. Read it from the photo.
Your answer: 4:20:37
